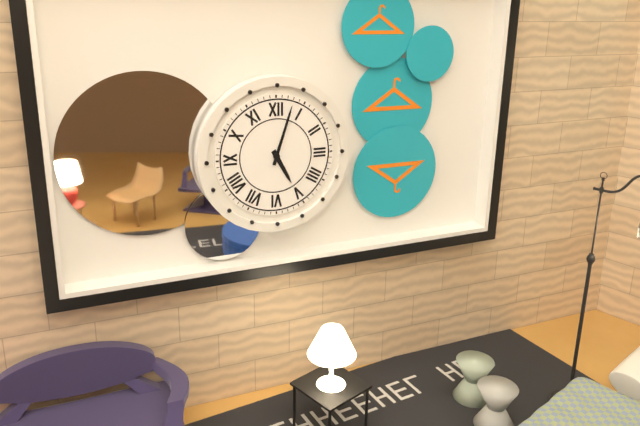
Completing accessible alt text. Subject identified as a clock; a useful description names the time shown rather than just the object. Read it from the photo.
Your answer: 5:03
